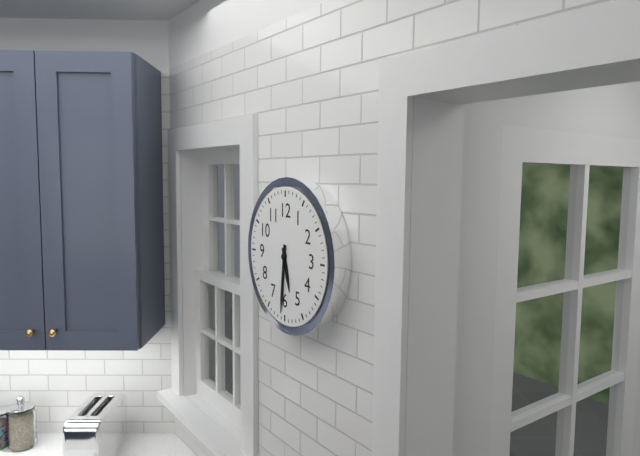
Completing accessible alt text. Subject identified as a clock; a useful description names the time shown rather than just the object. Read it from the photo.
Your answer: 5:31
